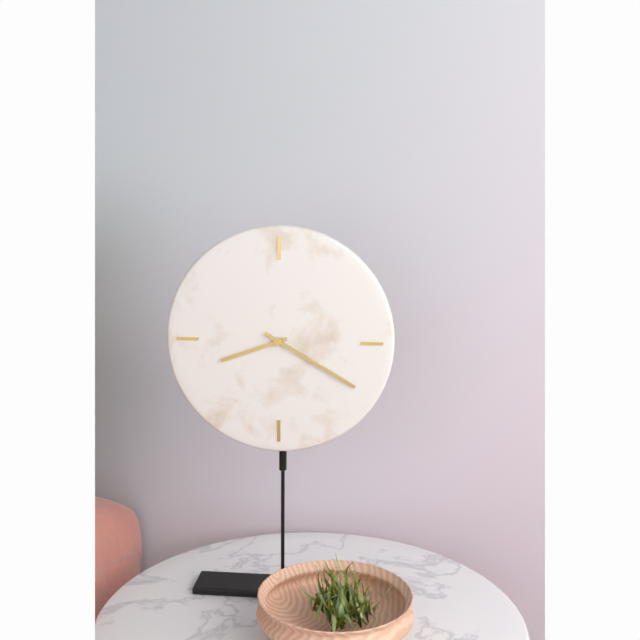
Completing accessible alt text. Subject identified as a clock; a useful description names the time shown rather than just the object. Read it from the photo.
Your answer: 8:20
